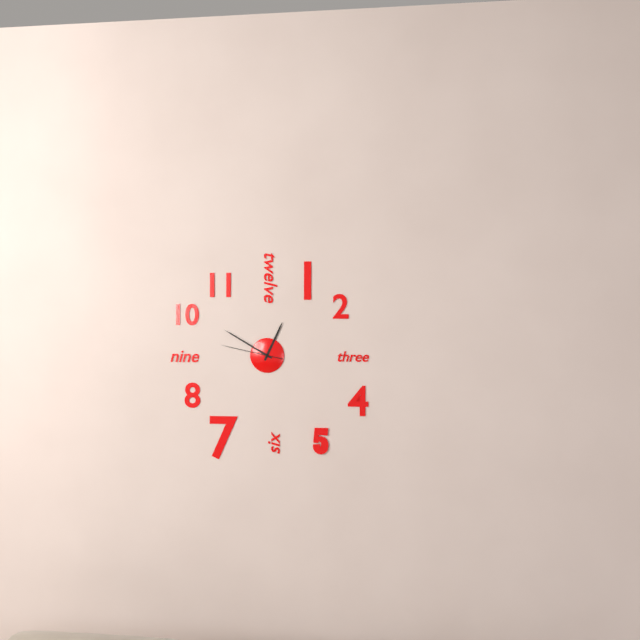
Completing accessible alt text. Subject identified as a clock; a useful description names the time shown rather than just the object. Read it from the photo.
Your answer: 12:50:47
